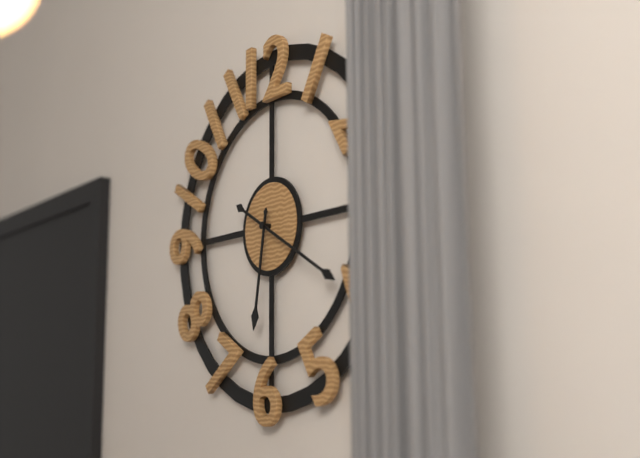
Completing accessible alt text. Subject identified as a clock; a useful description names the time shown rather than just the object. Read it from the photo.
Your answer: 6:20
